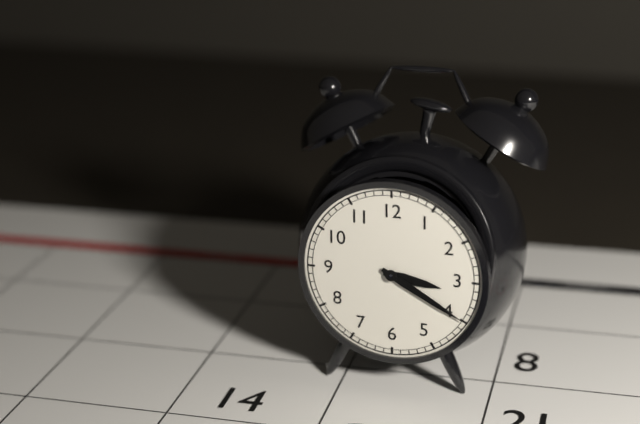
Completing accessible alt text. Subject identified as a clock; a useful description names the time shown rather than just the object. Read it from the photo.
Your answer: 3:20
